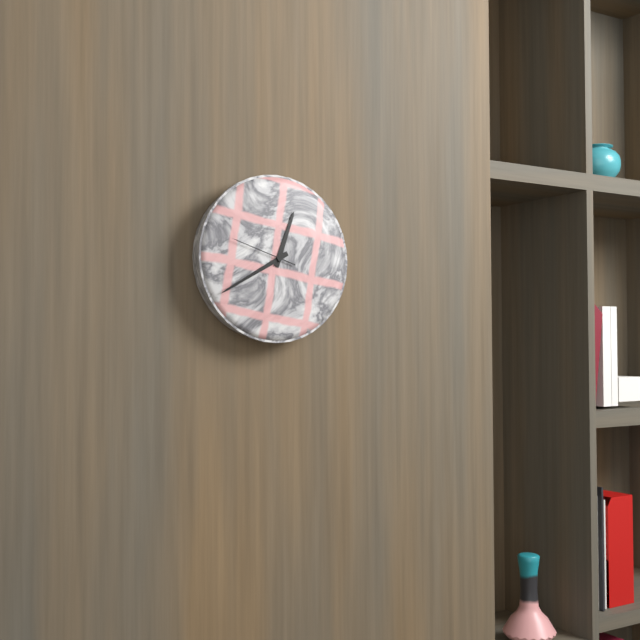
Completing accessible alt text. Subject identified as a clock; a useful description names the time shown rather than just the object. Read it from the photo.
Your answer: 12:40:48
